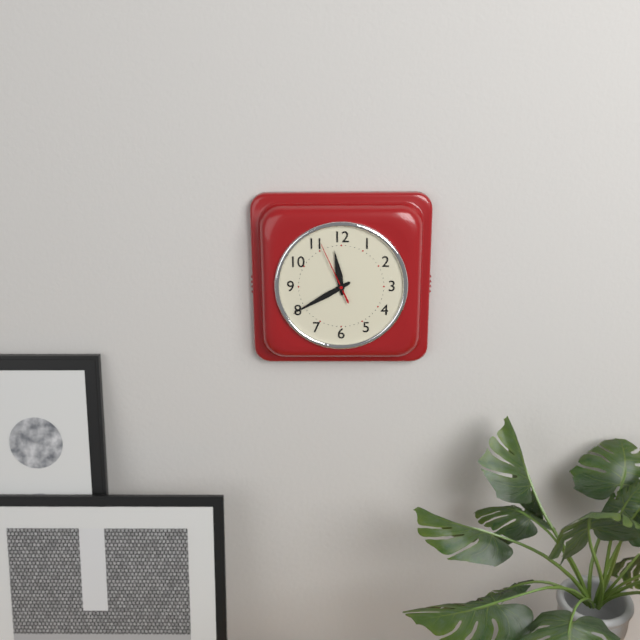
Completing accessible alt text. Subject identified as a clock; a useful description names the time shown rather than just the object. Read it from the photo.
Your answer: 11:40:56
